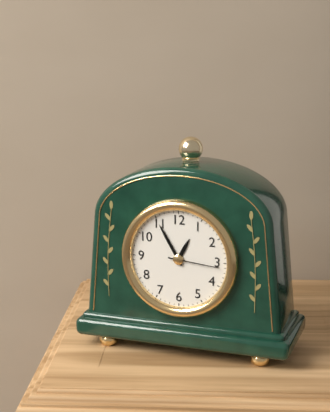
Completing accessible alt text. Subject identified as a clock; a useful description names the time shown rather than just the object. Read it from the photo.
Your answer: 12:55
